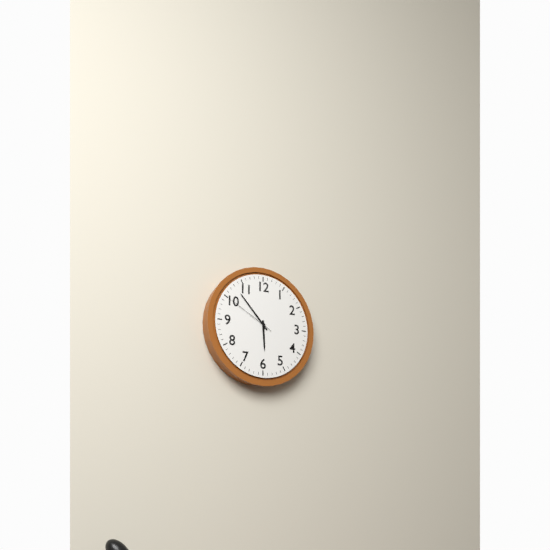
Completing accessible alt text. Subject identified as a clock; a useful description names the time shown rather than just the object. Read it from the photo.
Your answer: 5:53:50
